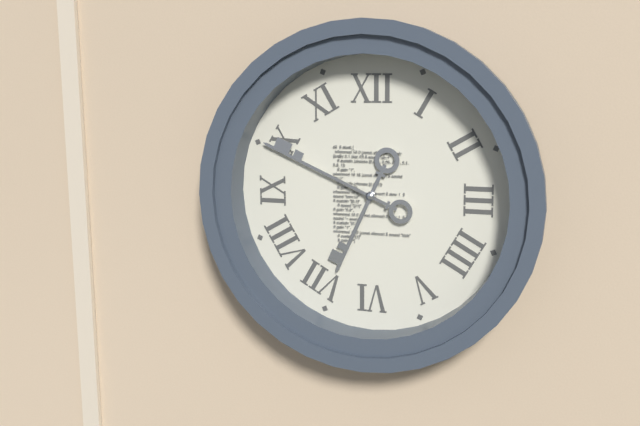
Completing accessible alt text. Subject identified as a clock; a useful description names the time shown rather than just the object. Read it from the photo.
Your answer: 6:49
